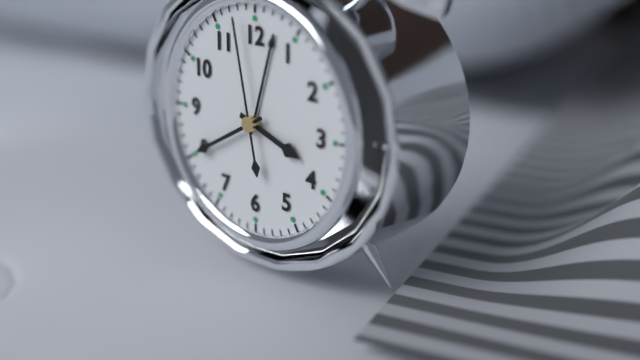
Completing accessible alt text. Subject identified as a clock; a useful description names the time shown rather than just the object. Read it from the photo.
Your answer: 3:40:58
